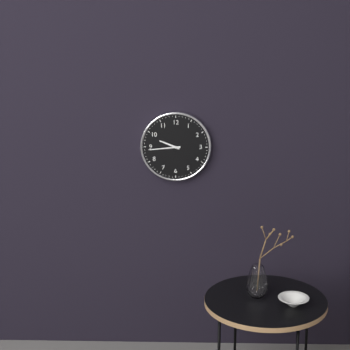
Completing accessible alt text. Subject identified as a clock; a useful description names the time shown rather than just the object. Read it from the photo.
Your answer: 9:44
